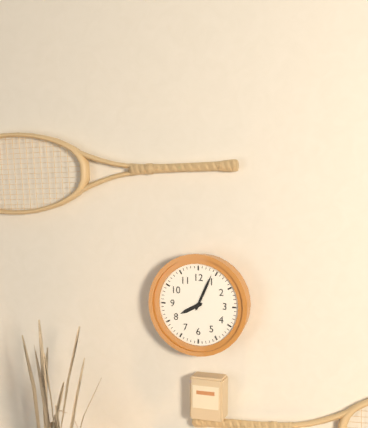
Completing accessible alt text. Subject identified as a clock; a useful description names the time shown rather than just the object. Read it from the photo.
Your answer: 8:04
